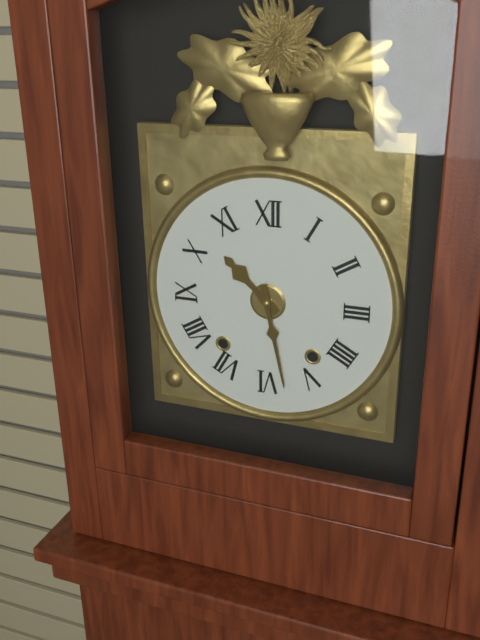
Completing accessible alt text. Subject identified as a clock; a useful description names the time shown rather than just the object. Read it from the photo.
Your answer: 10:28
